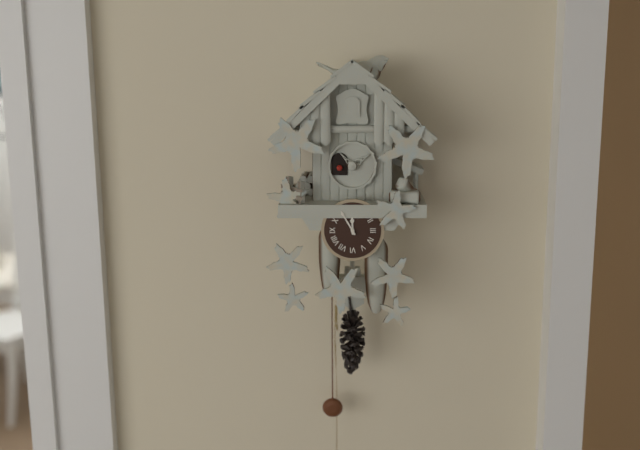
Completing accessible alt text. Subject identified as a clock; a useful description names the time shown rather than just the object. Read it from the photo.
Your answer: 11:55
